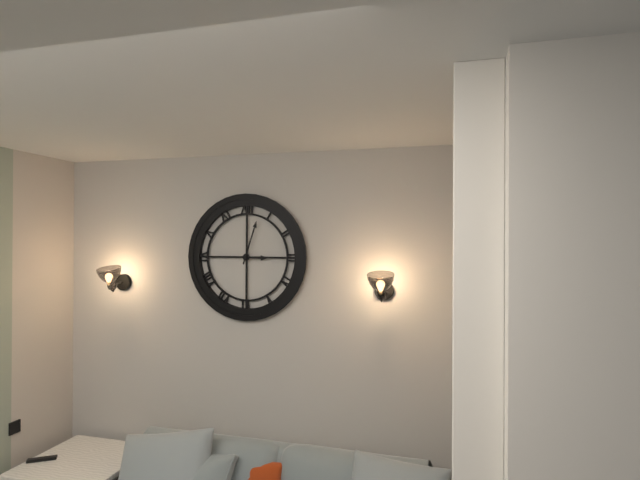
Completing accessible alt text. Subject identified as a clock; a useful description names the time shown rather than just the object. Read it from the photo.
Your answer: 3:03
